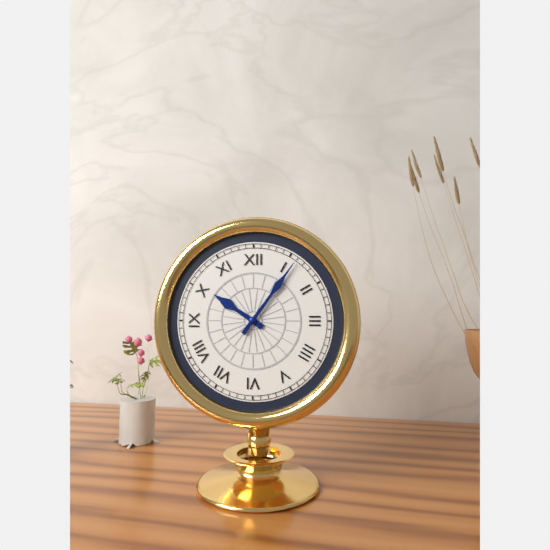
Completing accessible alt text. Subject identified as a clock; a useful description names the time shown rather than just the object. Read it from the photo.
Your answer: 10:06
